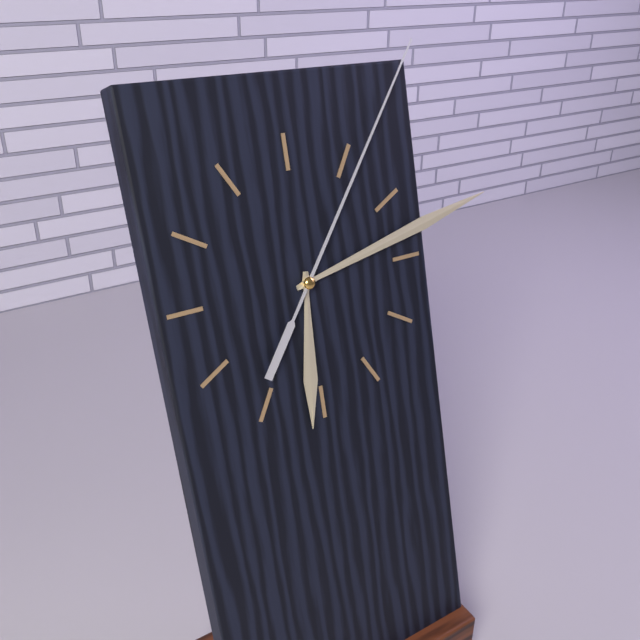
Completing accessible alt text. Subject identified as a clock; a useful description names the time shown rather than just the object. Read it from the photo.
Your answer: 6:13:06
